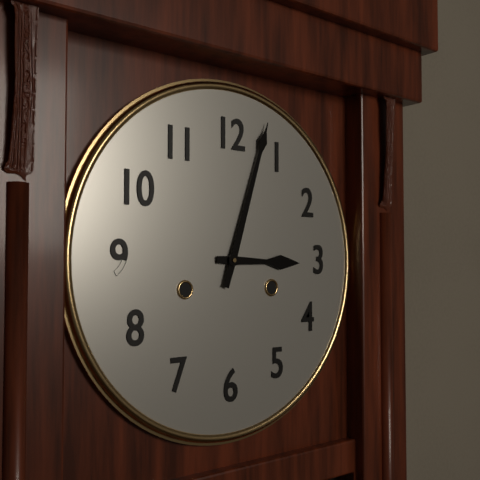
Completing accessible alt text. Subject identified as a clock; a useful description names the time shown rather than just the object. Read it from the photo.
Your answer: 3:03
